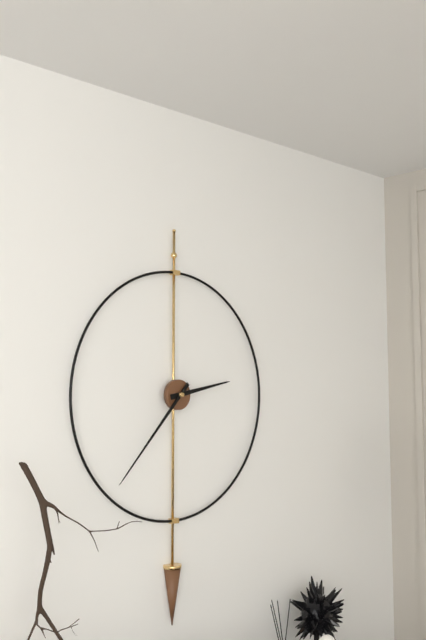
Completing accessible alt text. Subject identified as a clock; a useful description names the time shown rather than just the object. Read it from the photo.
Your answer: 2:37
